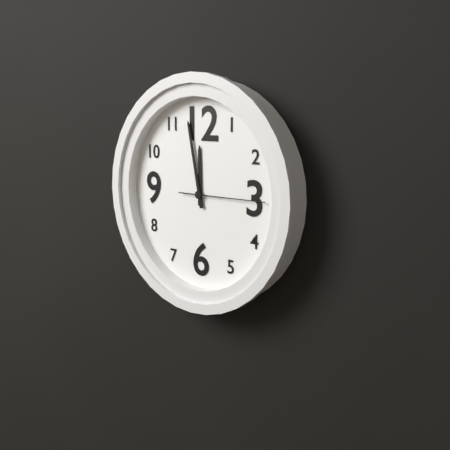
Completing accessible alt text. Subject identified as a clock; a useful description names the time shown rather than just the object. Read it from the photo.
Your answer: 11:58:15
